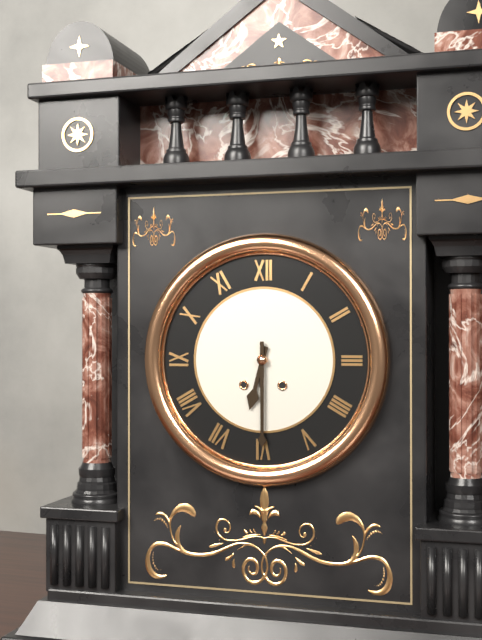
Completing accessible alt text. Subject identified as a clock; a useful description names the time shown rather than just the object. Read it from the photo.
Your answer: 6:30
